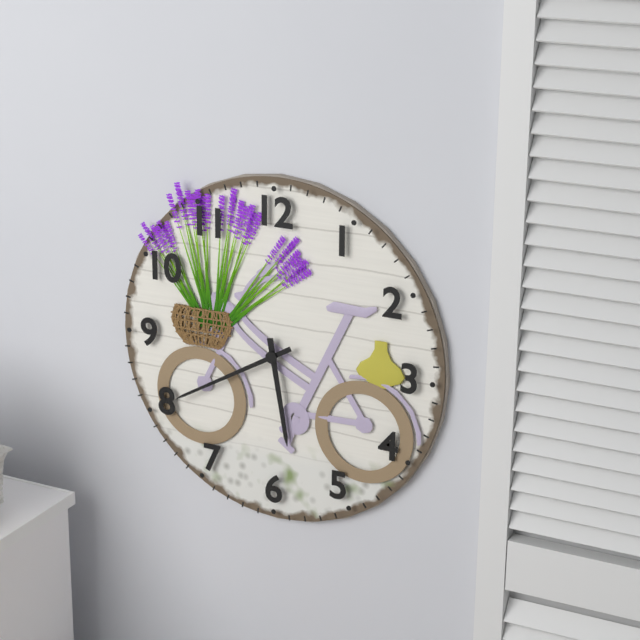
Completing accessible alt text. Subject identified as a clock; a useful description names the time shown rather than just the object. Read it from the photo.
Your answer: 5:40
